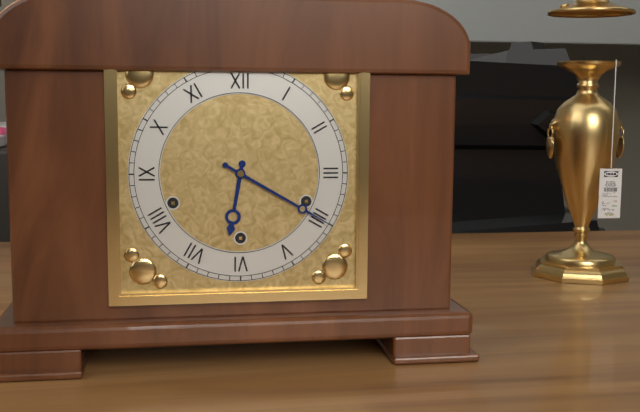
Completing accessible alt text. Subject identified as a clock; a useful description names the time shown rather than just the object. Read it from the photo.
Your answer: 6:20
